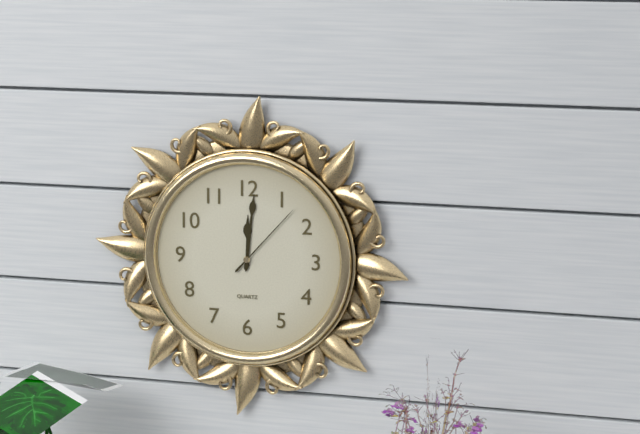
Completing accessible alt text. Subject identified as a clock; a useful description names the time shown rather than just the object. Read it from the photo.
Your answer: 12:01:07
